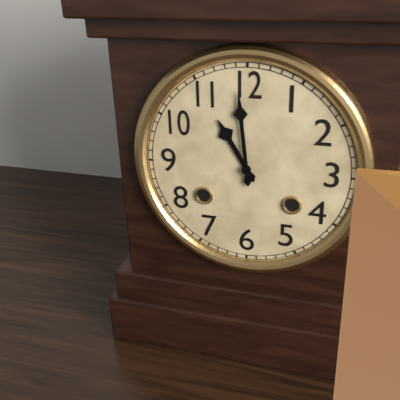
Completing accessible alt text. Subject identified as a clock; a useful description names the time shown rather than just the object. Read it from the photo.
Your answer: 10:59
